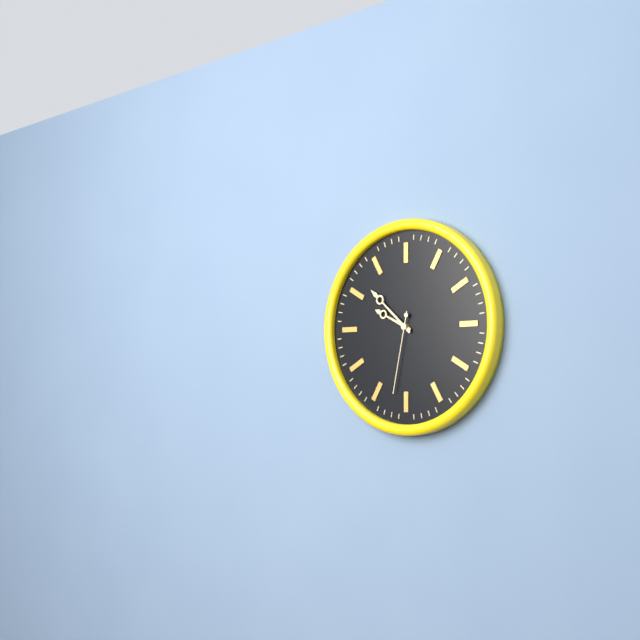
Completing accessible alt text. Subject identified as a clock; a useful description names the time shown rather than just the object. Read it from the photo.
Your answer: 9:52:32
